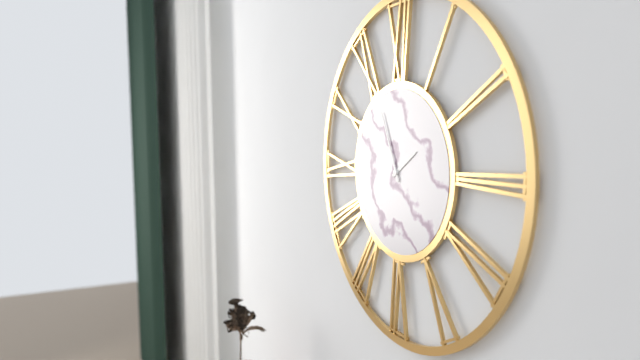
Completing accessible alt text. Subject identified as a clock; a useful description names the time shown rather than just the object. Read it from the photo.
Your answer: 1:56
